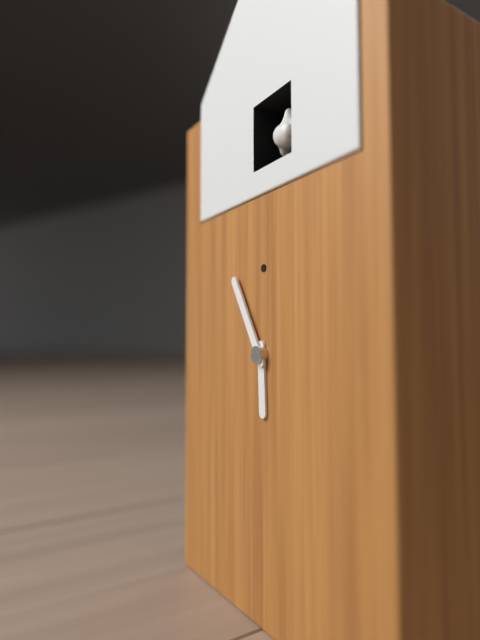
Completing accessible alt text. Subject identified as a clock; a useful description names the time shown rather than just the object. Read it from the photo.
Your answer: 5:55
